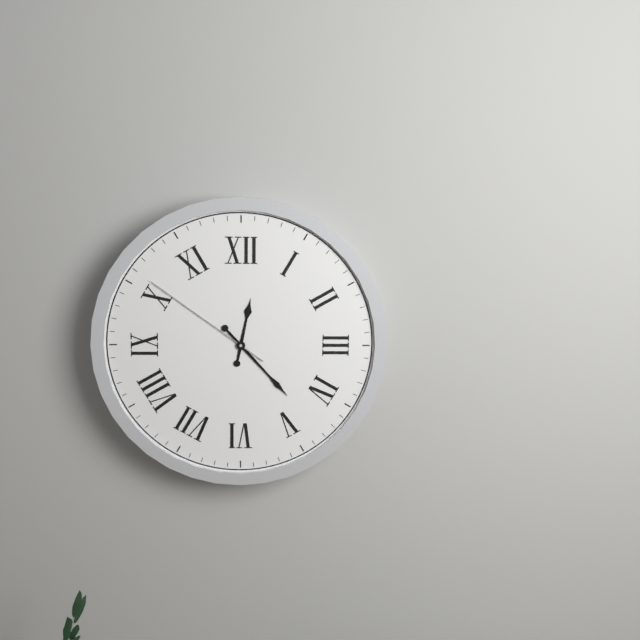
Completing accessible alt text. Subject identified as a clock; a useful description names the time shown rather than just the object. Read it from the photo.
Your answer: 12:23:51
